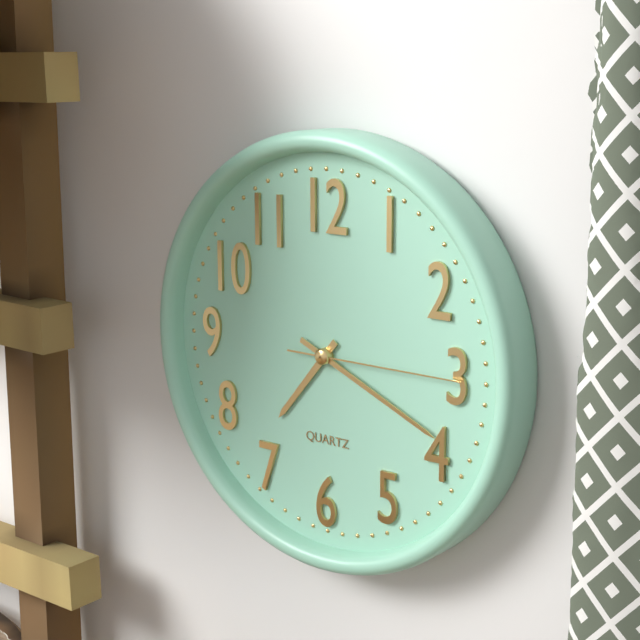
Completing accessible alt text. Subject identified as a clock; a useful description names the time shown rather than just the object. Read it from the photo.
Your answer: 7:19:15
